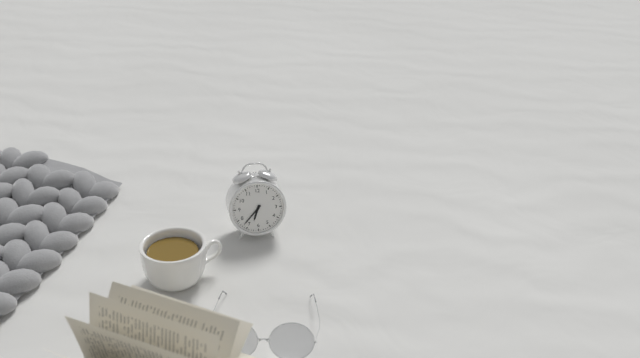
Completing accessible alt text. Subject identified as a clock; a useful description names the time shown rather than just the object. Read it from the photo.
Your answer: 6:37
